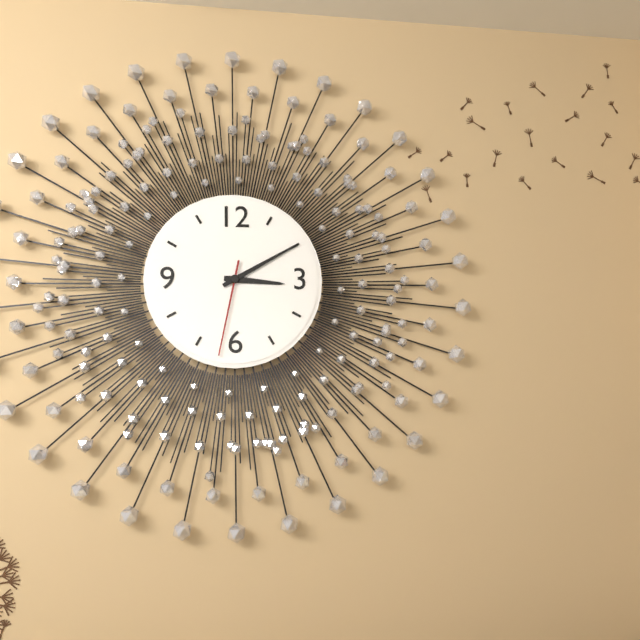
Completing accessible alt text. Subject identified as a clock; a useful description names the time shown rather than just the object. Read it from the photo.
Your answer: 3:10:32
